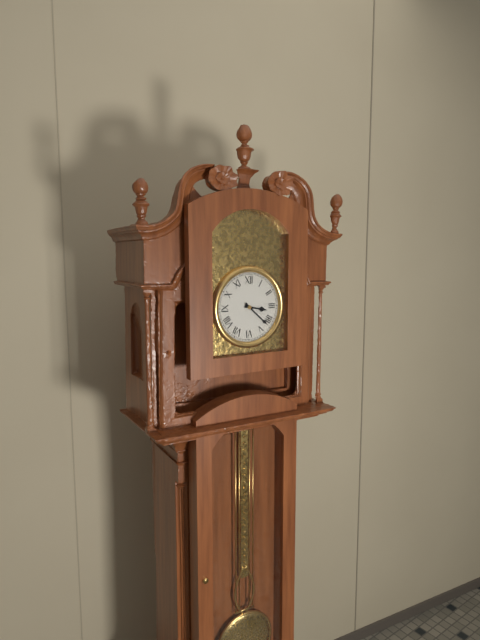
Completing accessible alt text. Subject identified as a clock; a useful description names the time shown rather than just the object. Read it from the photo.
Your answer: 3:22
